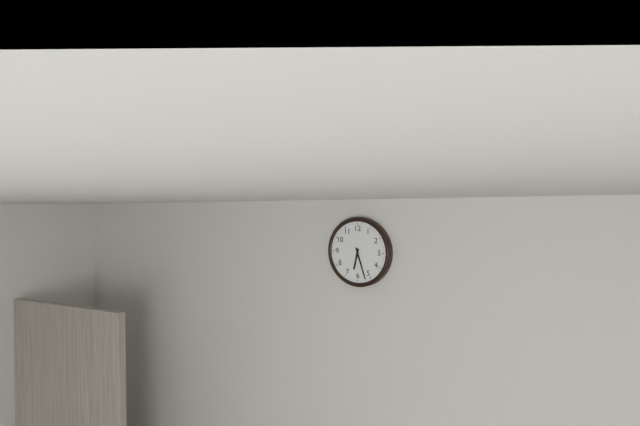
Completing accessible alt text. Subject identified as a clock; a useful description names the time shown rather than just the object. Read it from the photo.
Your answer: 6:27
